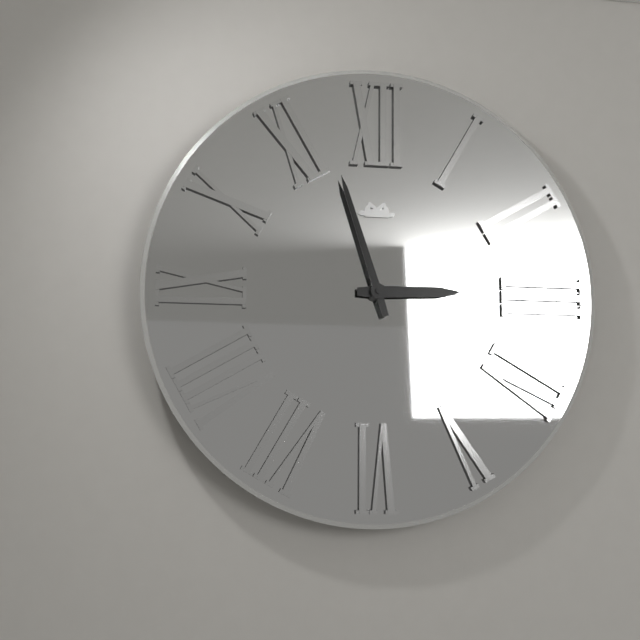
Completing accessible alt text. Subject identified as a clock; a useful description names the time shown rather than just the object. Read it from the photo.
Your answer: 2:57
